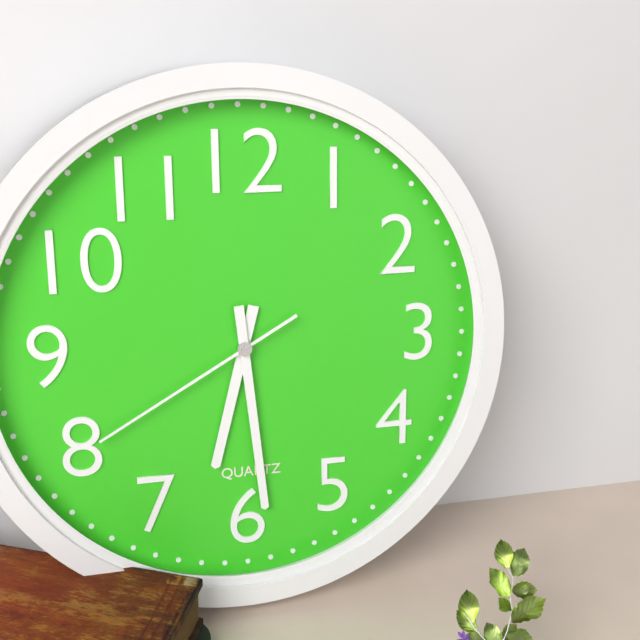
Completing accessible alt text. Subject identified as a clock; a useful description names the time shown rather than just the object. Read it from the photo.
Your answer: 6:29:40
